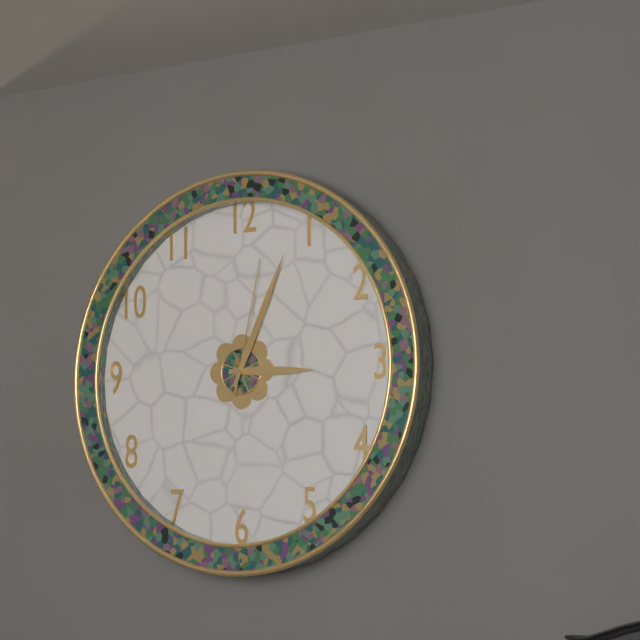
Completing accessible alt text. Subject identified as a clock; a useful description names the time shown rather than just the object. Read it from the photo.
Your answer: 3:04:02
